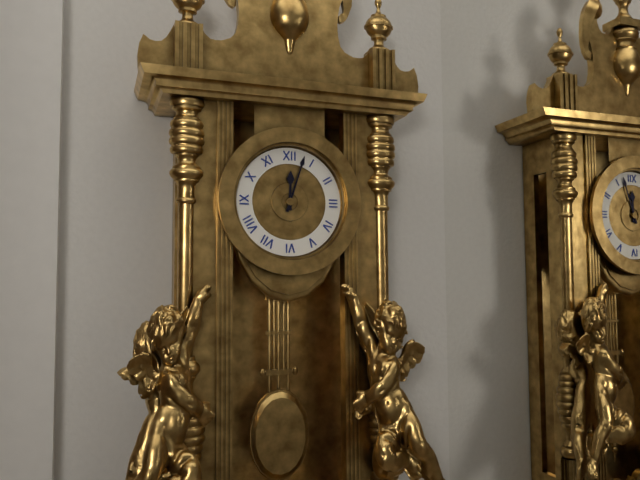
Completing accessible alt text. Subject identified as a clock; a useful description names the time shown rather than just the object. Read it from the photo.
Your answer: 12:03
